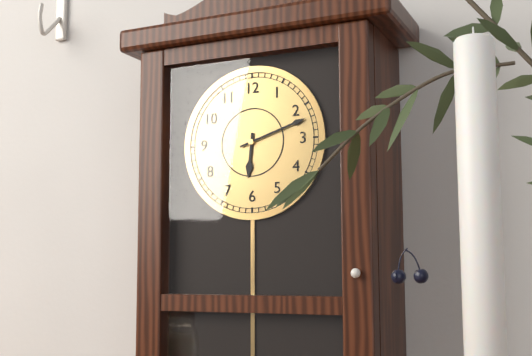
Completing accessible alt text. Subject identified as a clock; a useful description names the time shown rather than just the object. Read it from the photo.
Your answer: 6:12
